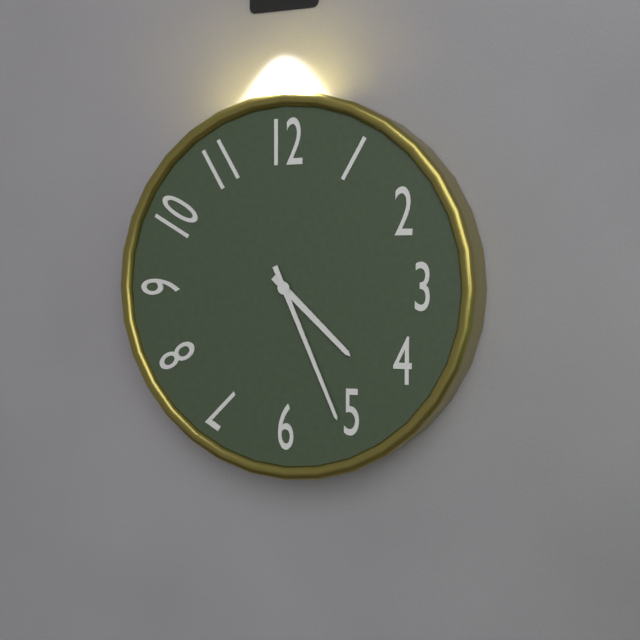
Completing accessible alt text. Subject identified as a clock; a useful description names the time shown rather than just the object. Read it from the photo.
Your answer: 4:26
